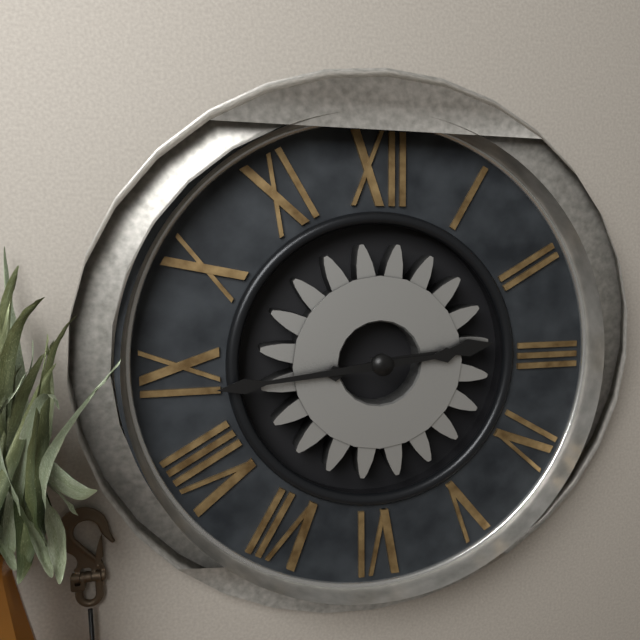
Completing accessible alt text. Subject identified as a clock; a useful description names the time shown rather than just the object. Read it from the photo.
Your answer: 2:44
